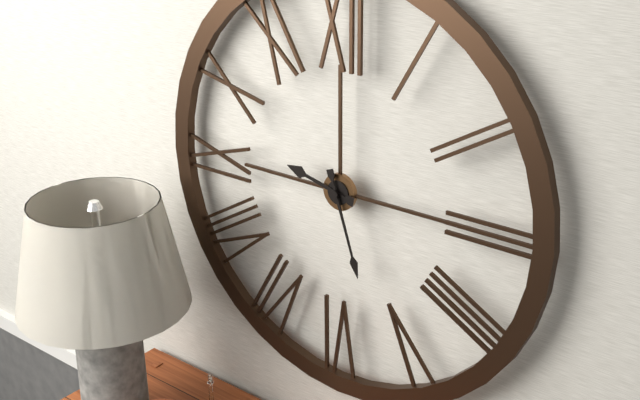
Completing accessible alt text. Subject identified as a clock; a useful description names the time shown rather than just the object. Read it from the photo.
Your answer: 9:27
